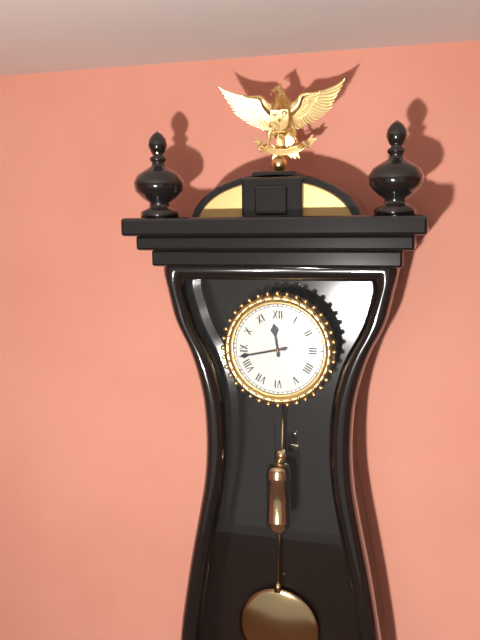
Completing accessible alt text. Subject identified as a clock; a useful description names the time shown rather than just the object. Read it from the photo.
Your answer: 11:43
